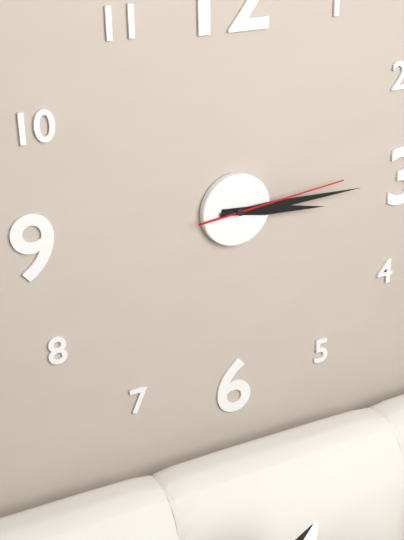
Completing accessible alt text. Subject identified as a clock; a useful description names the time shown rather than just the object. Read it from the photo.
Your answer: 3:15:14
